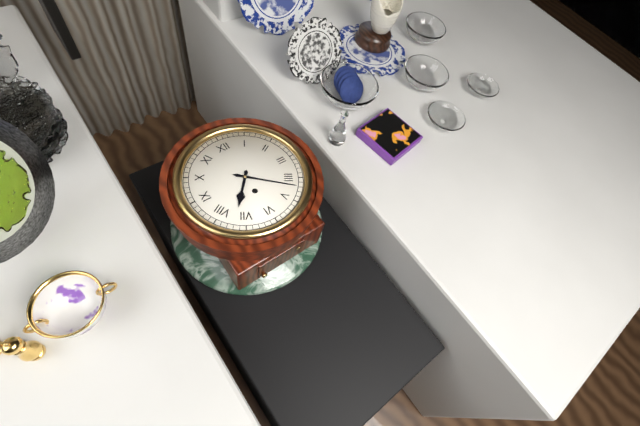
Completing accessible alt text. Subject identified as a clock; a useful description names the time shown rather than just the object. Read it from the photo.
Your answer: 7:22
